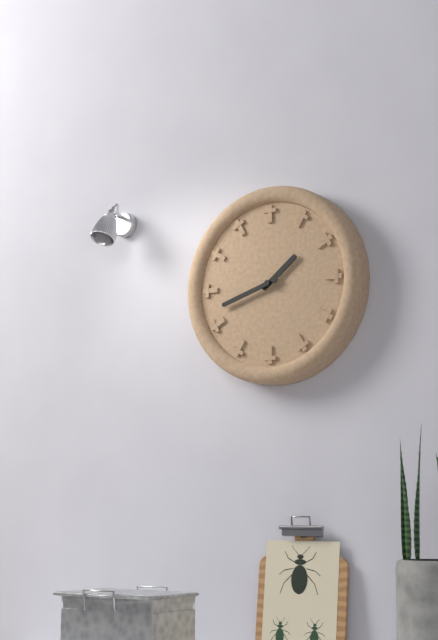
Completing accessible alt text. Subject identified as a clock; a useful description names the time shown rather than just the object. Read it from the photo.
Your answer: 1:42
